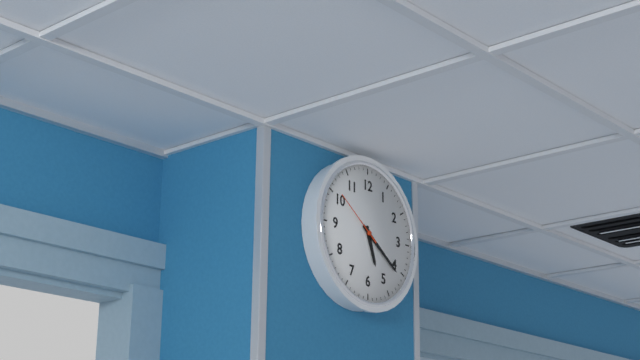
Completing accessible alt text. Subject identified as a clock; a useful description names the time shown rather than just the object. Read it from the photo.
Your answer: 5:21:51
